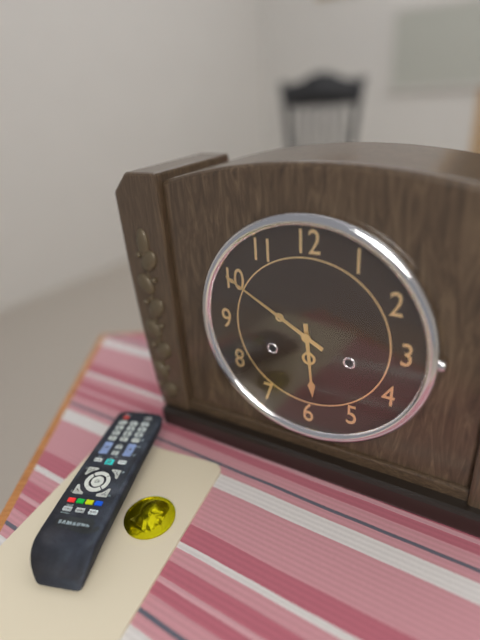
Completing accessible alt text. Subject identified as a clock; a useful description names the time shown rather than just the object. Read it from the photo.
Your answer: 5:50
